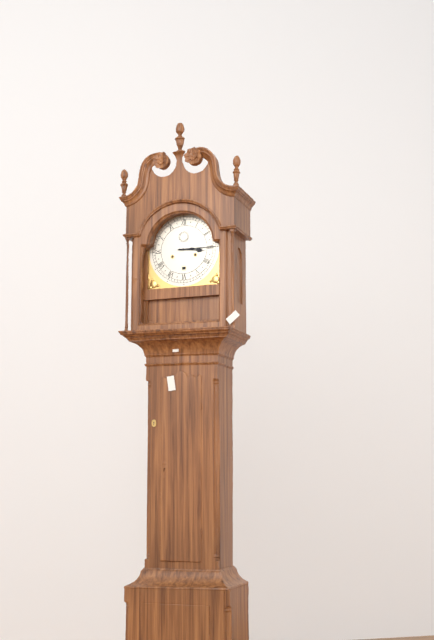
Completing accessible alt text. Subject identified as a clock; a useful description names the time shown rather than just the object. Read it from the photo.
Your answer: 3:15
